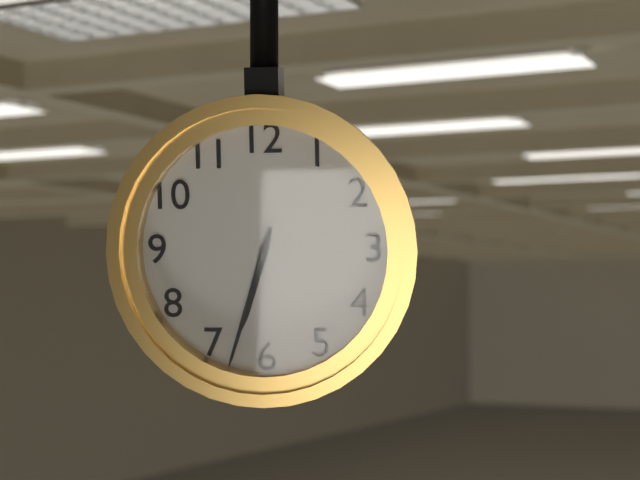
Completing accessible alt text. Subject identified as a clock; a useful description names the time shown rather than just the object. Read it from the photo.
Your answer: 6:33
